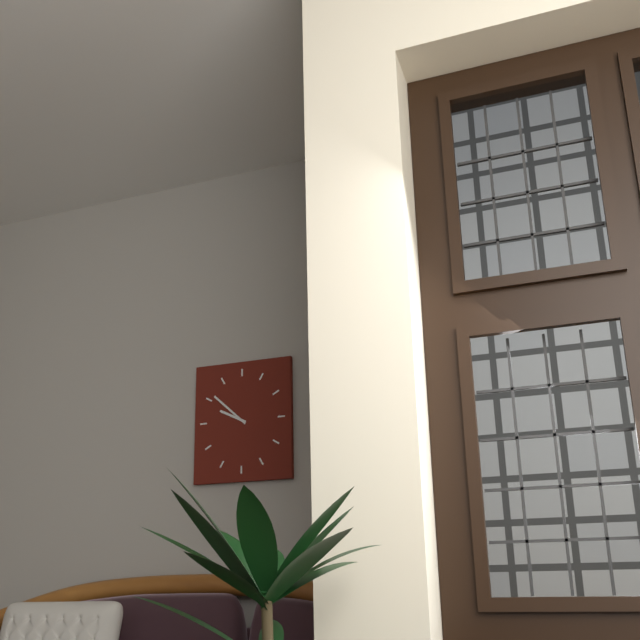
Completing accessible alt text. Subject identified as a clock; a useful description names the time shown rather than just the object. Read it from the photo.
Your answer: 9:52
